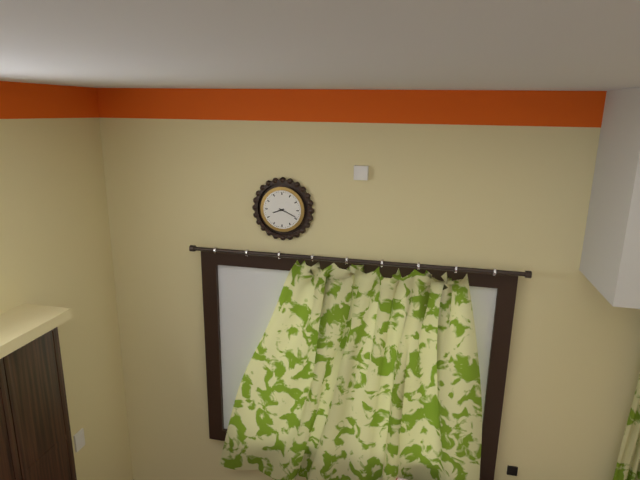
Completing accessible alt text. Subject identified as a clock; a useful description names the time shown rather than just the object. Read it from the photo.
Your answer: 8:19
